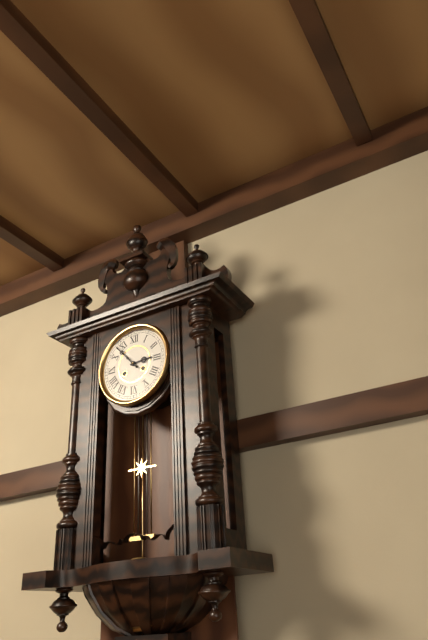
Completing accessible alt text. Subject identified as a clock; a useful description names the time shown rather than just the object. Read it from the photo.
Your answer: 2:53
